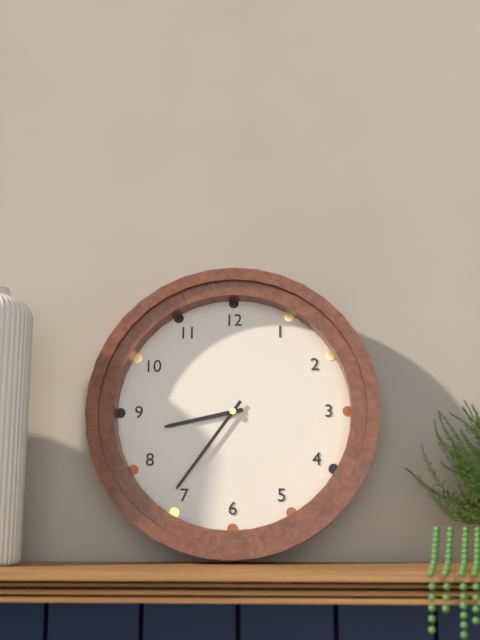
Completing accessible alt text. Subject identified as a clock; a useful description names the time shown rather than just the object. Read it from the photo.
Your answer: 8:36
